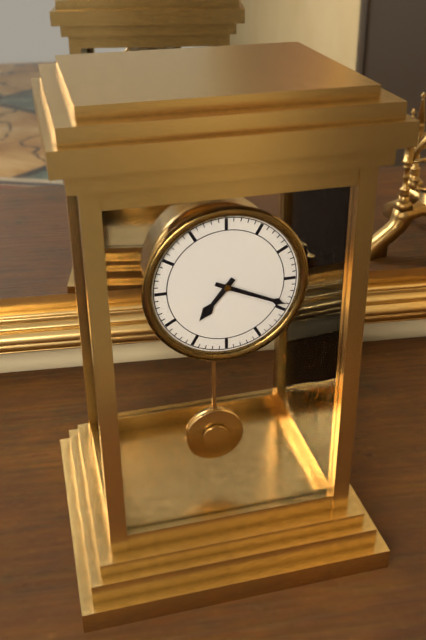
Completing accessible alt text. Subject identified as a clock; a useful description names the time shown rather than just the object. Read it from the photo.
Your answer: 7:19
